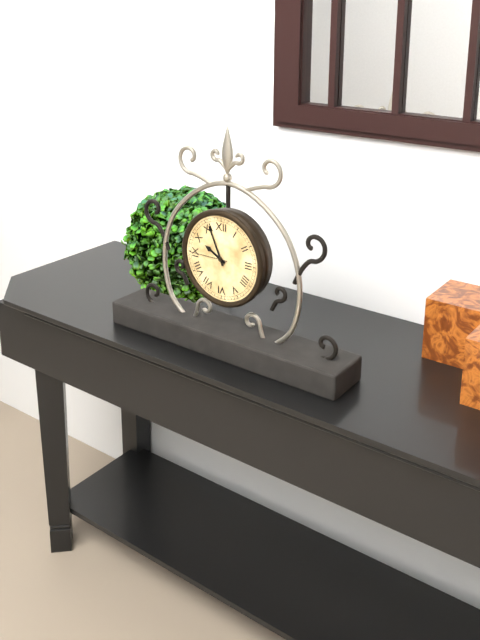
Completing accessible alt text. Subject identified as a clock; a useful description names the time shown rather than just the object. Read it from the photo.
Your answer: 9:56
